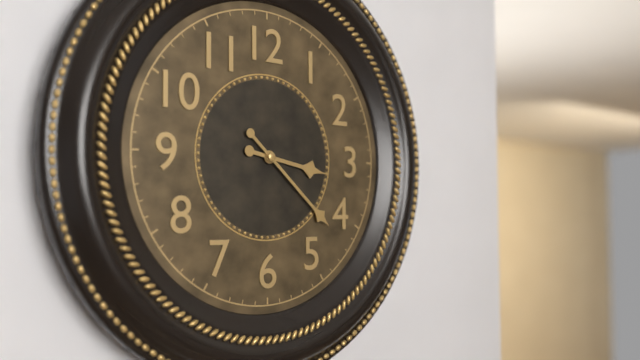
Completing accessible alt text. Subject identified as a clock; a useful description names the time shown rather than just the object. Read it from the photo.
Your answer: 3:22
